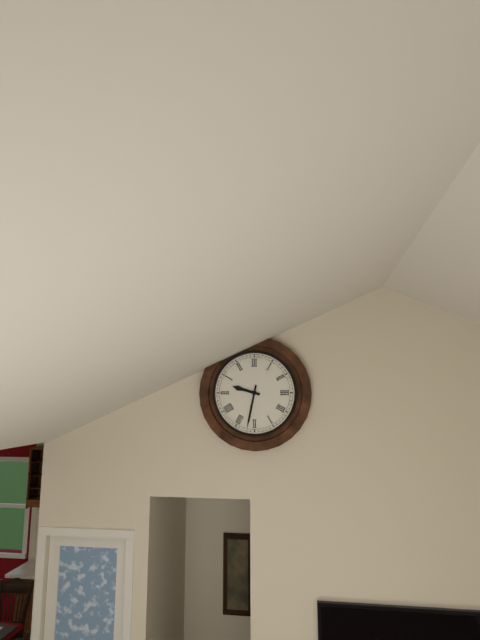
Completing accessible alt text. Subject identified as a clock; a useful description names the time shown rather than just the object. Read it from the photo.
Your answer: 9:32
